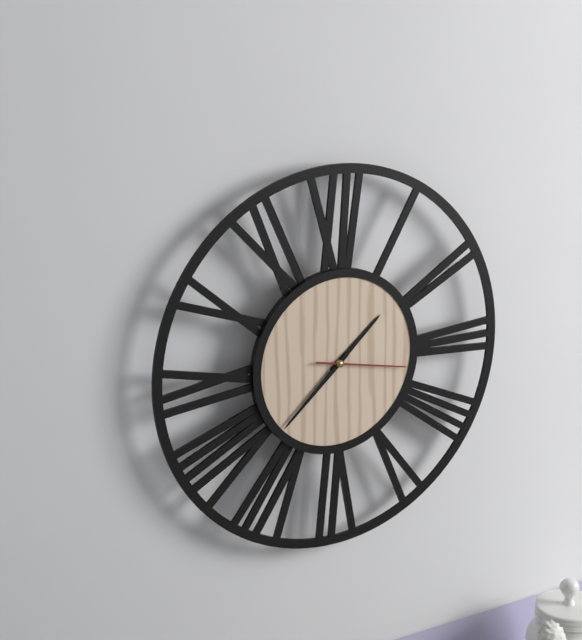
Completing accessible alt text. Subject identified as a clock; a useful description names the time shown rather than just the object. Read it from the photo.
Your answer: 1:38:17
